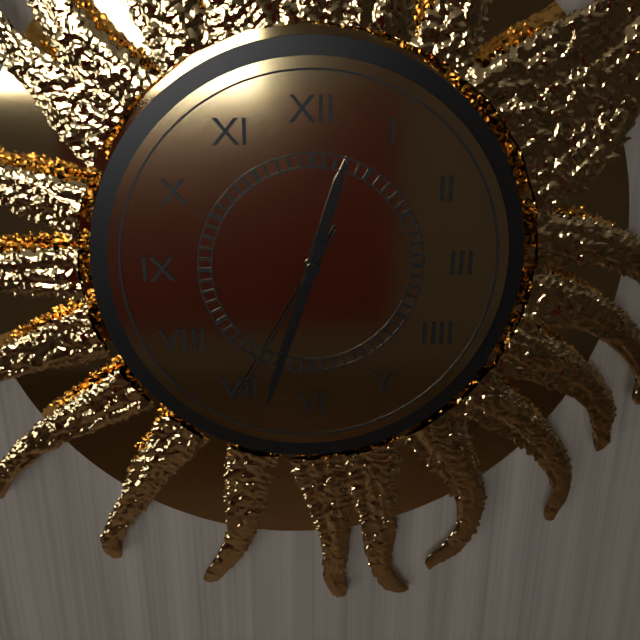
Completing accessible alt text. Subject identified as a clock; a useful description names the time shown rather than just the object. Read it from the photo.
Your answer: 12:33:35
